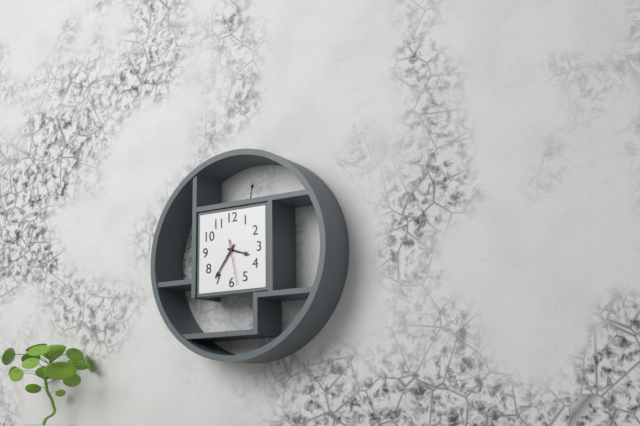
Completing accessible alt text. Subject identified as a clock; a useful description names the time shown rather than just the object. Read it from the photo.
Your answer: 3:36
